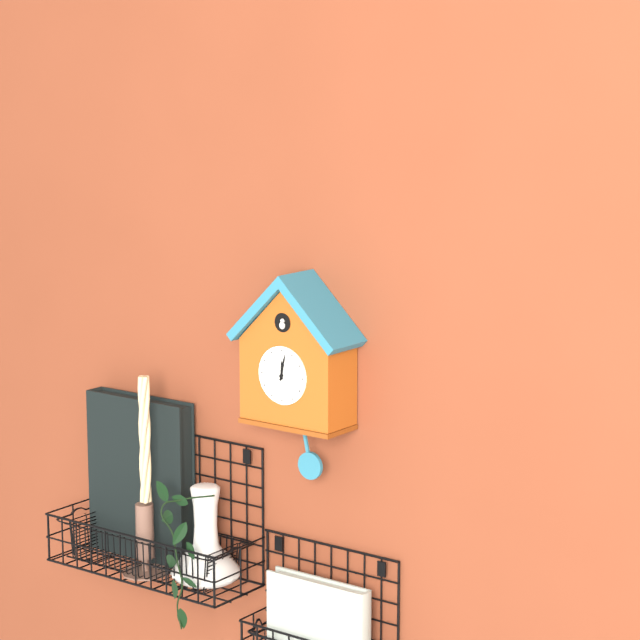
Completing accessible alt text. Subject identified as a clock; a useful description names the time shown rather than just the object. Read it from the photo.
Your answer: 12:02
